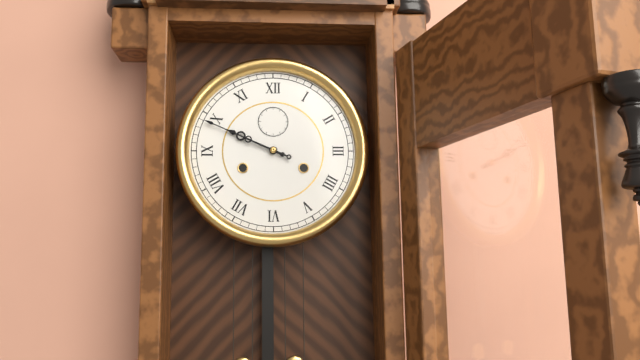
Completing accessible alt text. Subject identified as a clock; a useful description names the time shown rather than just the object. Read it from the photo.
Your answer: 9:49
